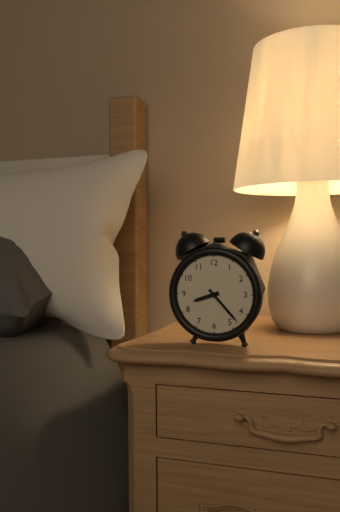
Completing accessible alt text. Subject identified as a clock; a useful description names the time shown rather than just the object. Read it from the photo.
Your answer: 8:23
